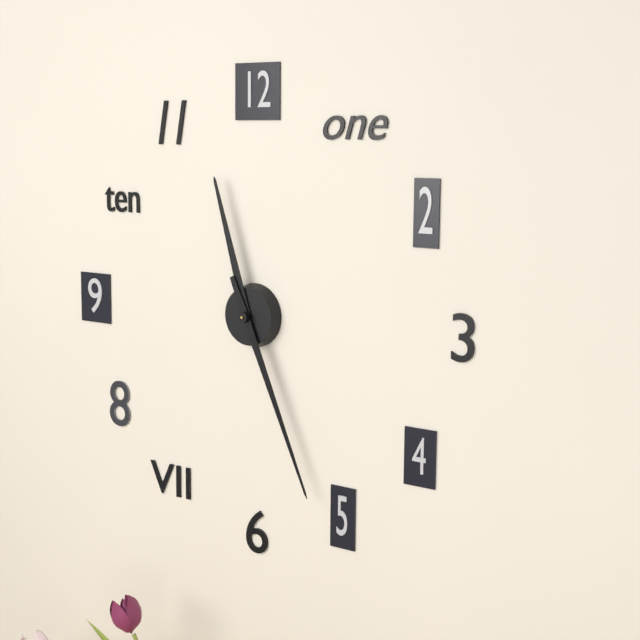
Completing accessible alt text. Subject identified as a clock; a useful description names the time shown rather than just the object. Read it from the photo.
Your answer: 11:26
